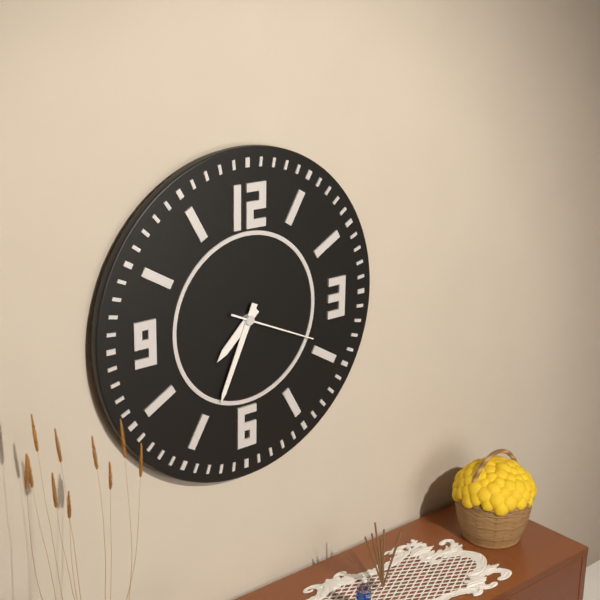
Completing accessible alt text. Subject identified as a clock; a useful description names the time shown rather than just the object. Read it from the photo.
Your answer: 7:34:19
